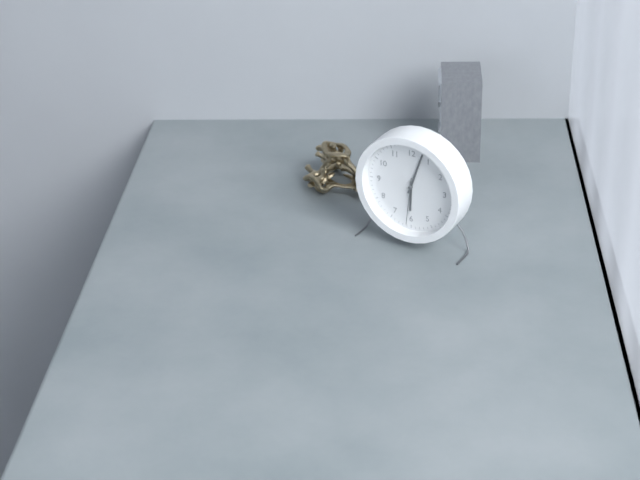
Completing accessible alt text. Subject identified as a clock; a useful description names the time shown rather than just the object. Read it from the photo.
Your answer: 6:03
